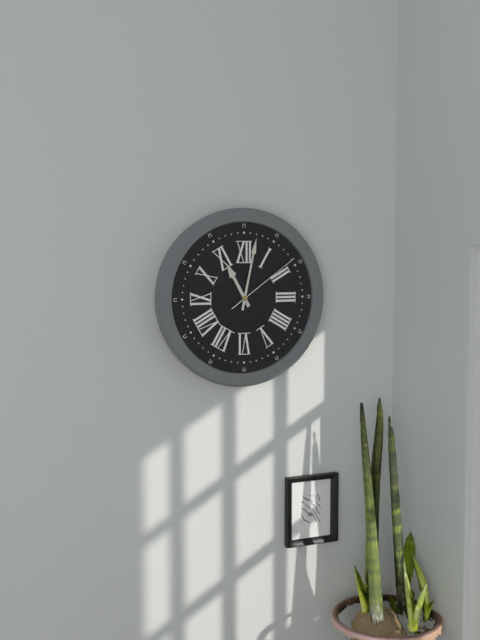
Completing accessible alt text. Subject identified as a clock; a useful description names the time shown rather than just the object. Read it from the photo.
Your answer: 11:02:09
